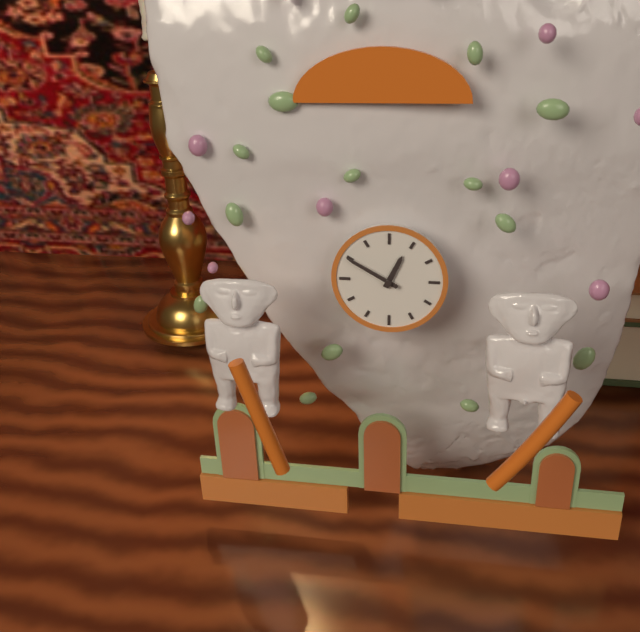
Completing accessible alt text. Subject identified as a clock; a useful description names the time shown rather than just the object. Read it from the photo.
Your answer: 12:50
